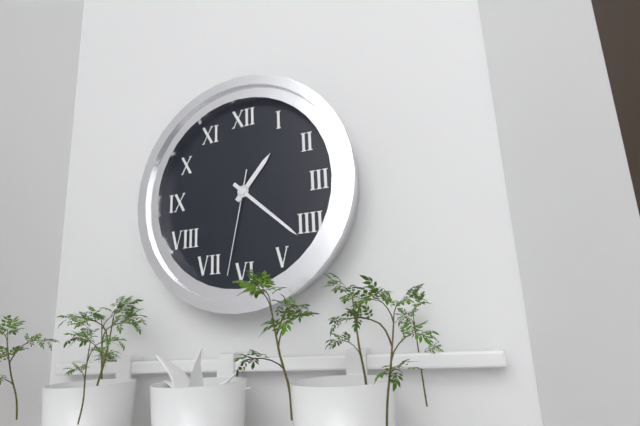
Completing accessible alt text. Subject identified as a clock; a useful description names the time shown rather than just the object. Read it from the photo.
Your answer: 1:22:32
